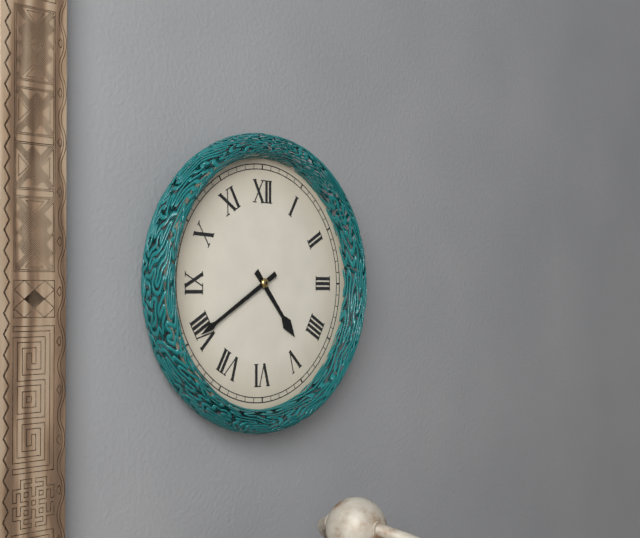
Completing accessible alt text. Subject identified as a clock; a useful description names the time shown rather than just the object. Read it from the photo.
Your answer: 4:40
